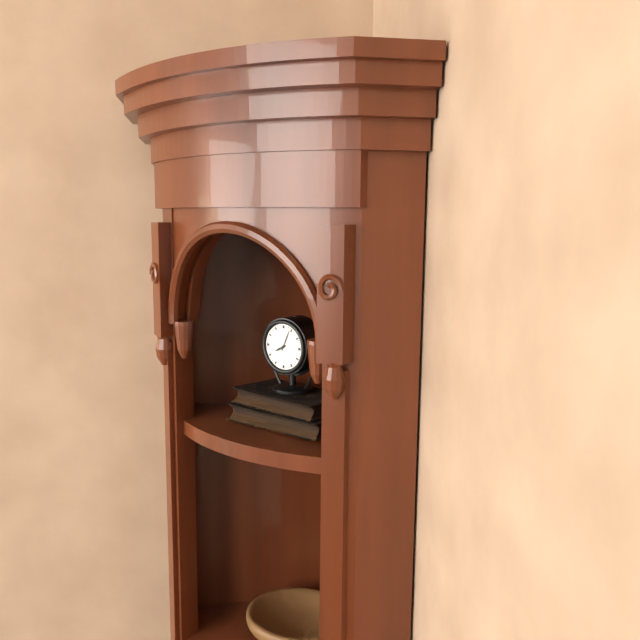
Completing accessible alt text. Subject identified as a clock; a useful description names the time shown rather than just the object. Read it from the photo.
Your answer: 8:04
